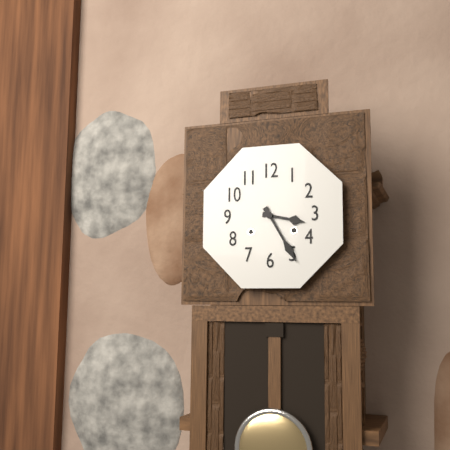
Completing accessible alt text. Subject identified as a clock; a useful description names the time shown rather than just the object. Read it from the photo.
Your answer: 3:25
